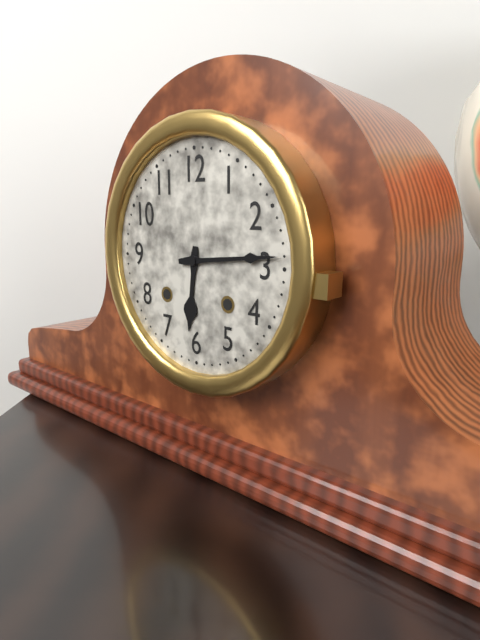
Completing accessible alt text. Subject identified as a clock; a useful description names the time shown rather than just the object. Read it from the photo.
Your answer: 6:14
